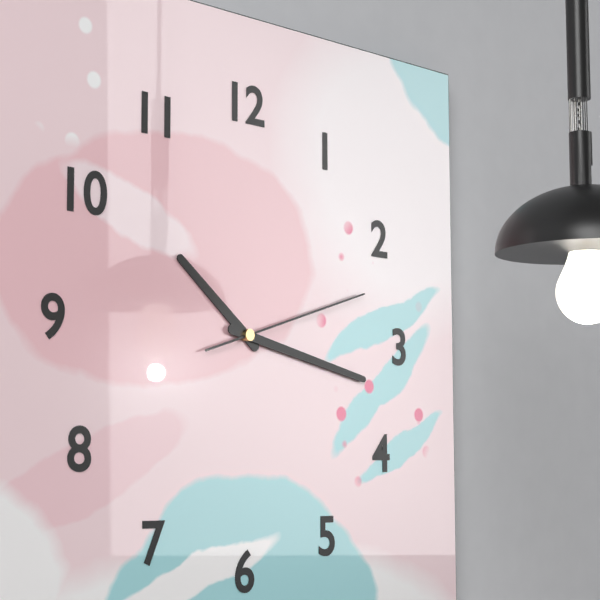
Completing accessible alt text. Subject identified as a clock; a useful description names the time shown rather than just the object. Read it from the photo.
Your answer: 10:17:12
